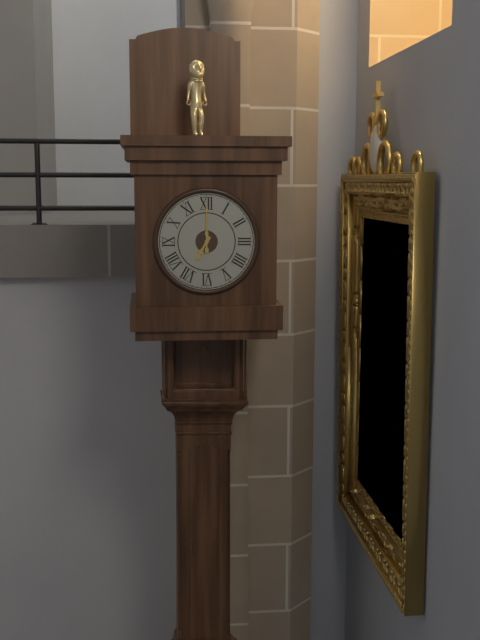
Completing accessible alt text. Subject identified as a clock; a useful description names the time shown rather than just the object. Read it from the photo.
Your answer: 7:00
